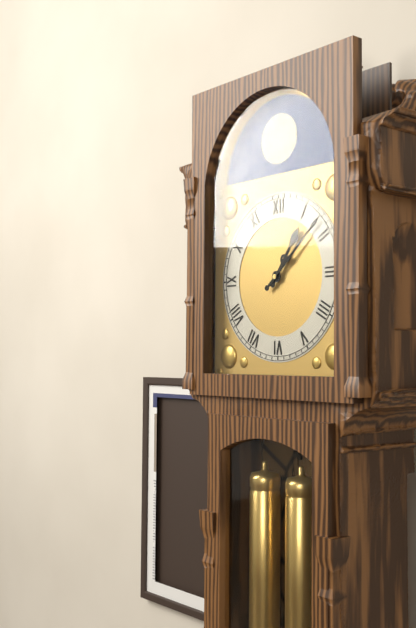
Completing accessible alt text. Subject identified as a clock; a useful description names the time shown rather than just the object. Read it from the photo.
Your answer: 1:08
